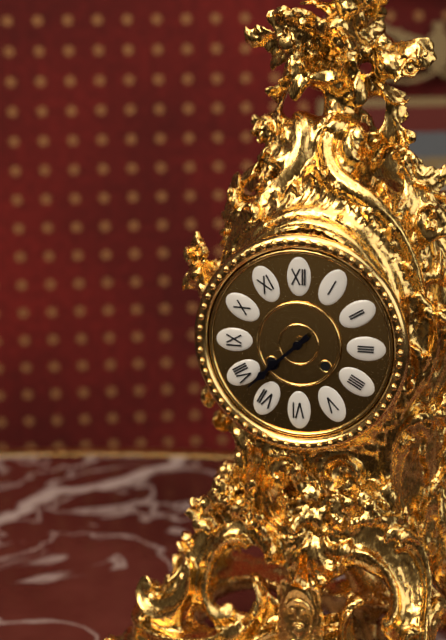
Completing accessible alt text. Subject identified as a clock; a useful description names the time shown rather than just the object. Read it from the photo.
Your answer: 7:38
